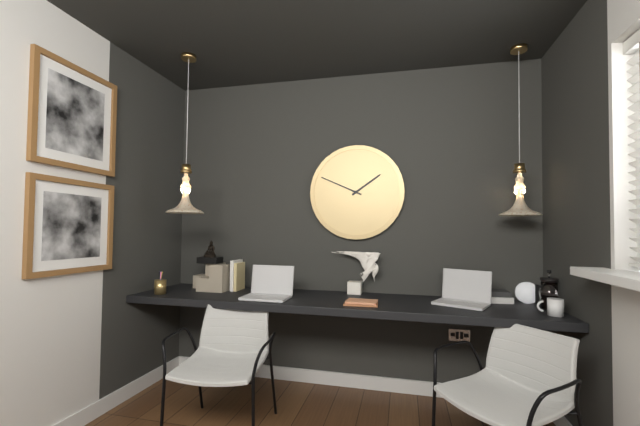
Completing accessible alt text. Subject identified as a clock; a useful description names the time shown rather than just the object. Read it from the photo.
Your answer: 1:49
